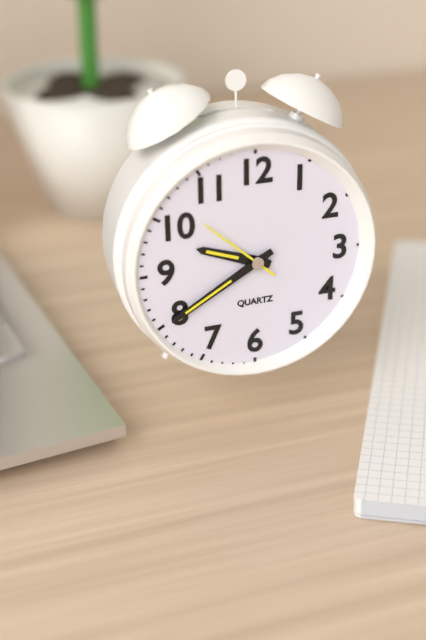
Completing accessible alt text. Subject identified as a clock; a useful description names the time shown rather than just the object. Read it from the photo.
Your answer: 9:40:52
